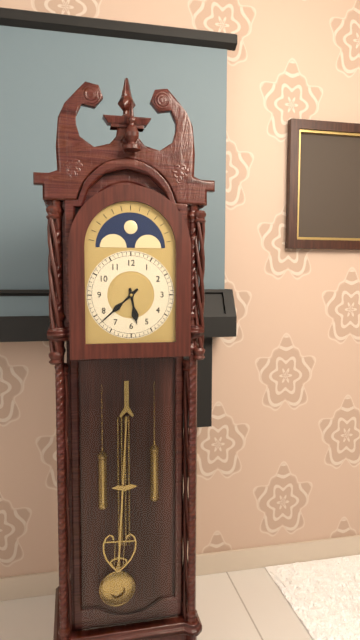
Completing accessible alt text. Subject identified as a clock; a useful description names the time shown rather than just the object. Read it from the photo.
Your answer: 5:38
